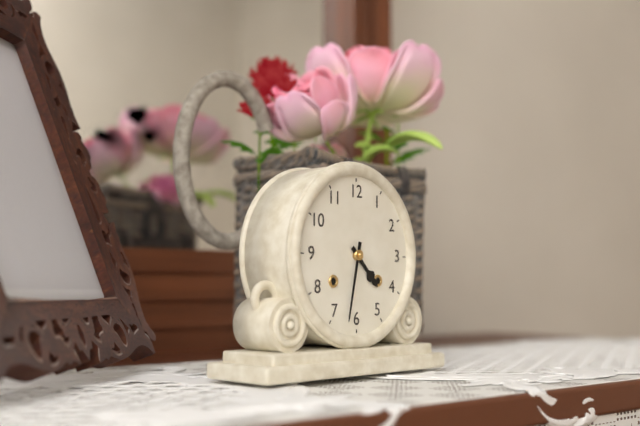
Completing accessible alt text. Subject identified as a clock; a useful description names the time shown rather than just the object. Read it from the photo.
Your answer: 4:32
